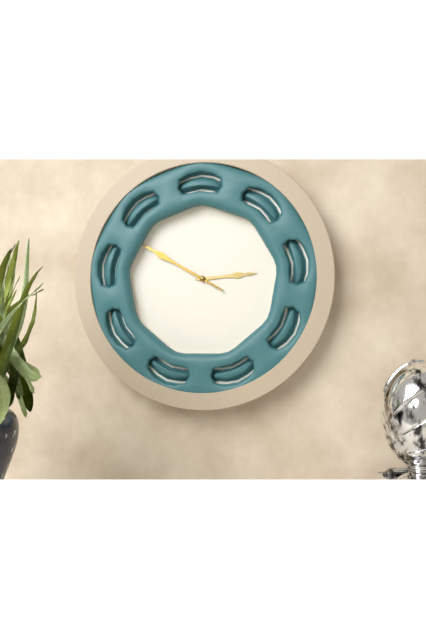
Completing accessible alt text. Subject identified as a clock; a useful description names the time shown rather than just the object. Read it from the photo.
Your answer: 2:50
